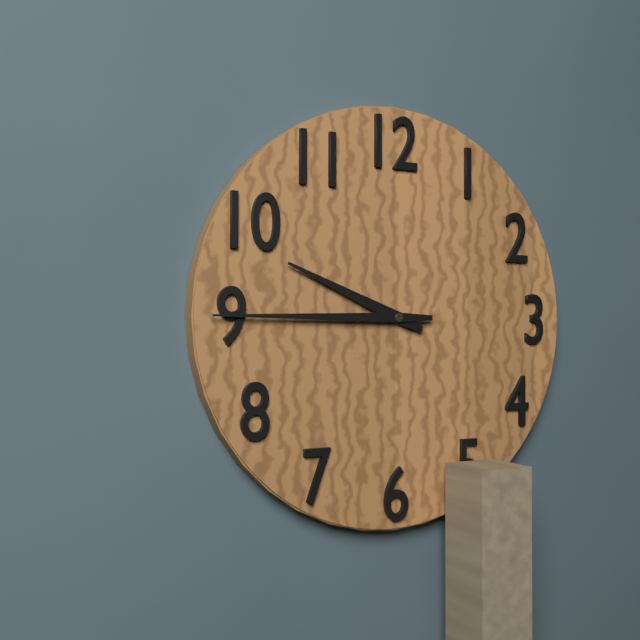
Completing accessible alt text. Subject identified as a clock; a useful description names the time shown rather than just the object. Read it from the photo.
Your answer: 9:45
